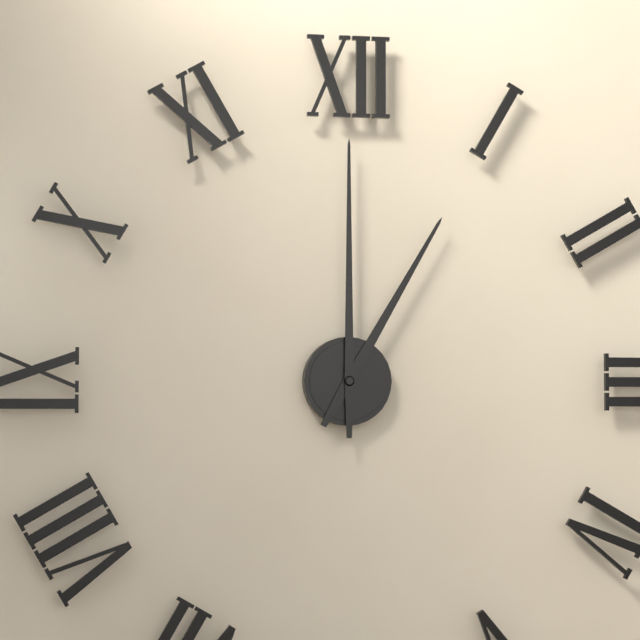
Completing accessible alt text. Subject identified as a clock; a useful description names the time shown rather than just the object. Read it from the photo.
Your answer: 1:00
